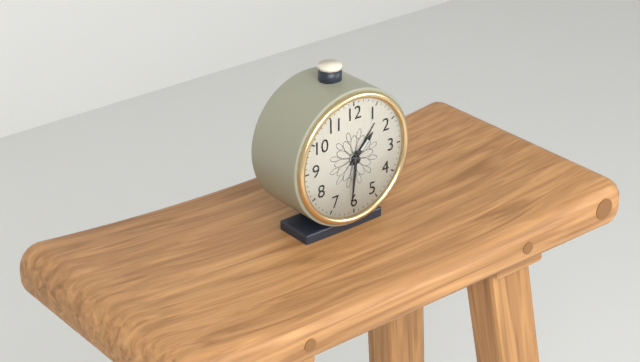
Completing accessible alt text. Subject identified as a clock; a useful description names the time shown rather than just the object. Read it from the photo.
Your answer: 1:31
